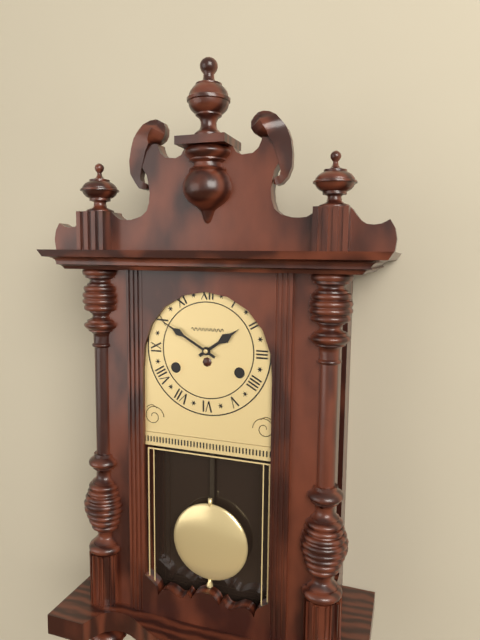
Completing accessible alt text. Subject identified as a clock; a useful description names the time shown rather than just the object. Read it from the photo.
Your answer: 1:50
